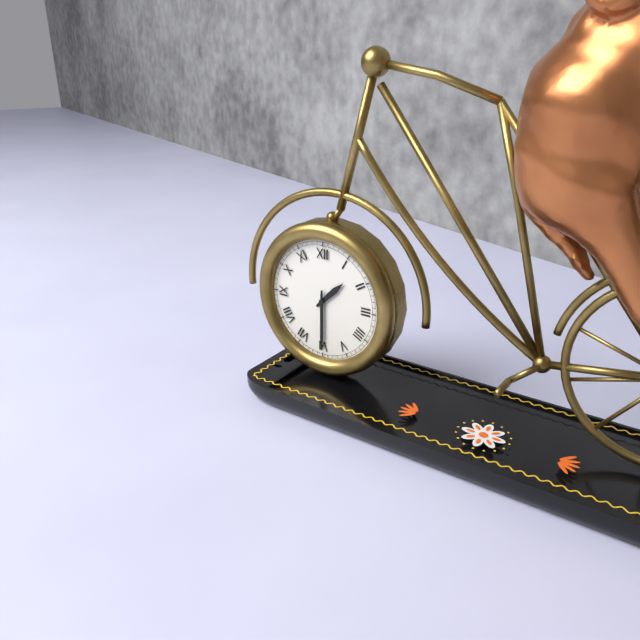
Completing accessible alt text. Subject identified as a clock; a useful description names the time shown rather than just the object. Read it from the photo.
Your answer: 1:30
